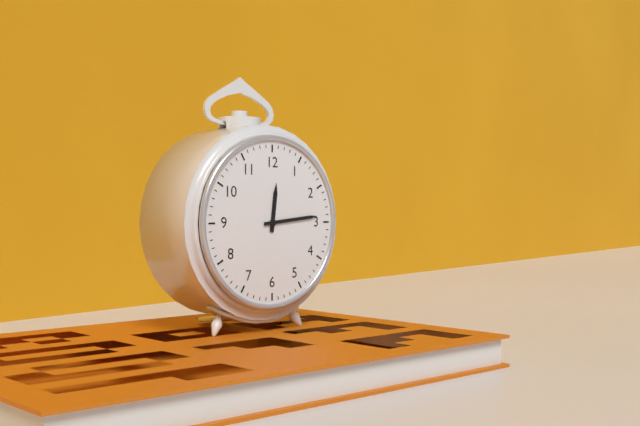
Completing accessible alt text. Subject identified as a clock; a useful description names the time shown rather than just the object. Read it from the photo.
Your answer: 12:14
